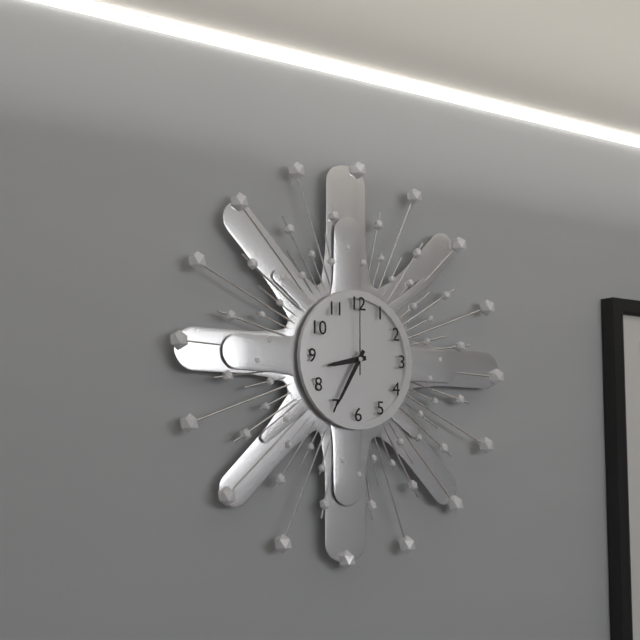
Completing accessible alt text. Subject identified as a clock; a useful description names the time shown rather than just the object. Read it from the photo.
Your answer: 8:35:00
